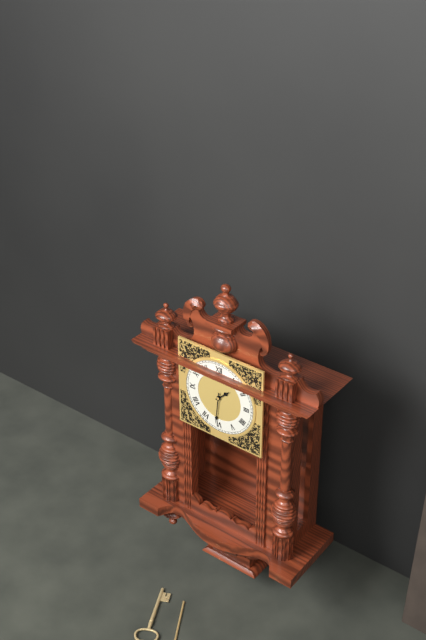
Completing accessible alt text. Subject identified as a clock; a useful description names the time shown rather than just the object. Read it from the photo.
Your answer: 1:31
